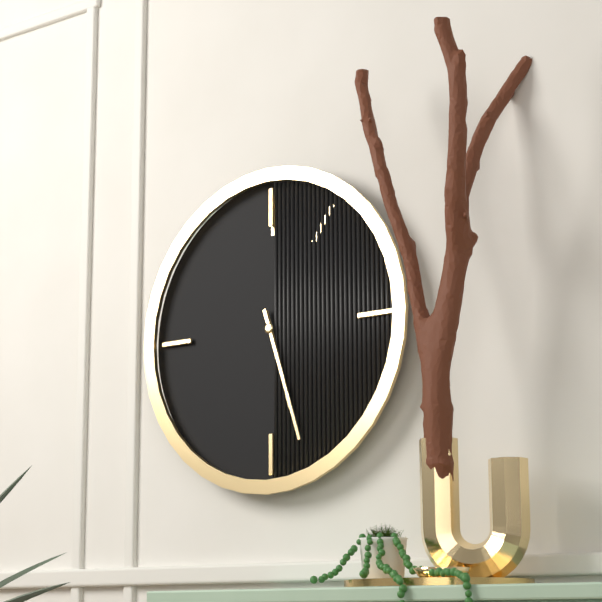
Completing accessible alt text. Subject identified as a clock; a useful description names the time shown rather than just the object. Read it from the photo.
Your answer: 5:27
